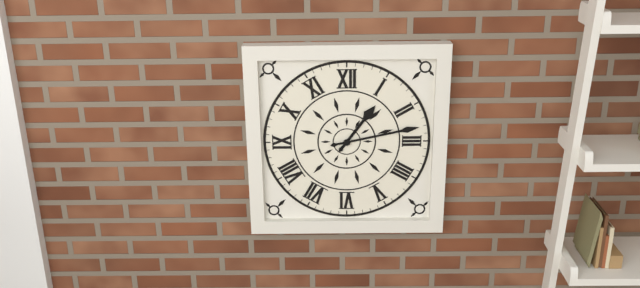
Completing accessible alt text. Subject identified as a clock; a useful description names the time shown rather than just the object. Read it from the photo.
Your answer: 1:13
